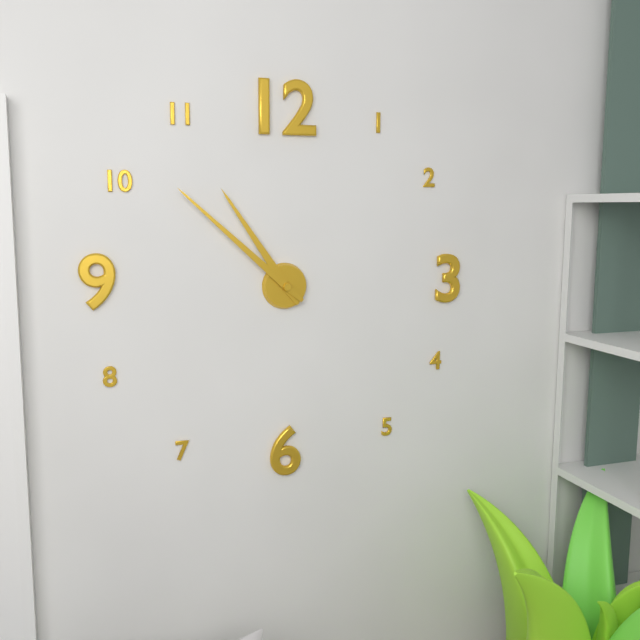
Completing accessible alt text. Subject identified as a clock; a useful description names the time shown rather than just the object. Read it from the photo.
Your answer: 10:52
